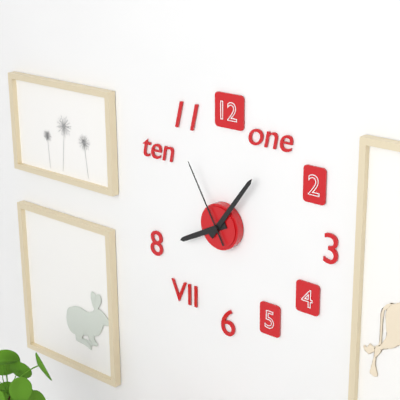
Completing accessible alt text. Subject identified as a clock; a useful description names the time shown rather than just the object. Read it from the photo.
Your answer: 8:06:55
